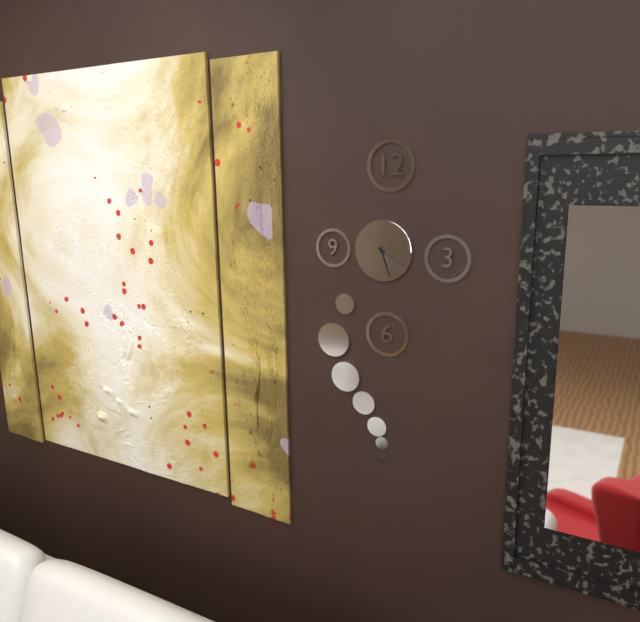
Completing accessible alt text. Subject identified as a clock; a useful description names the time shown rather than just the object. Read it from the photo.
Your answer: 5:27
